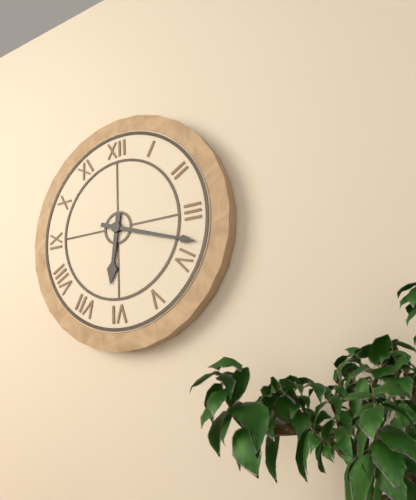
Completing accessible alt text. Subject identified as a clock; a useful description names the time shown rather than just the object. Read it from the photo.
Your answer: 6:18
